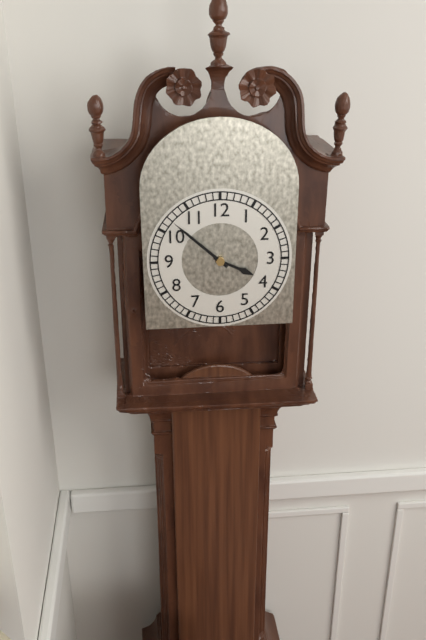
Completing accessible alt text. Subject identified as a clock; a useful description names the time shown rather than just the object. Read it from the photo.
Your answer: 3:52
